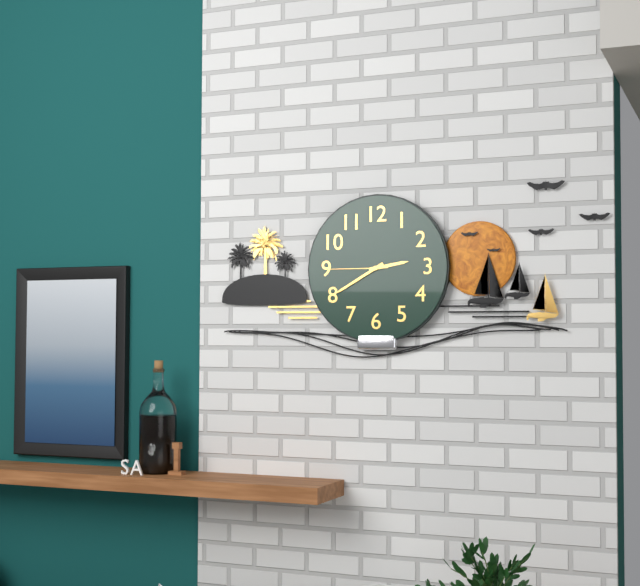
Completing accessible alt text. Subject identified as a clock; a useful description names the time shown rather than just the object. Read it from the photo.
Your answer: 2:40:45
